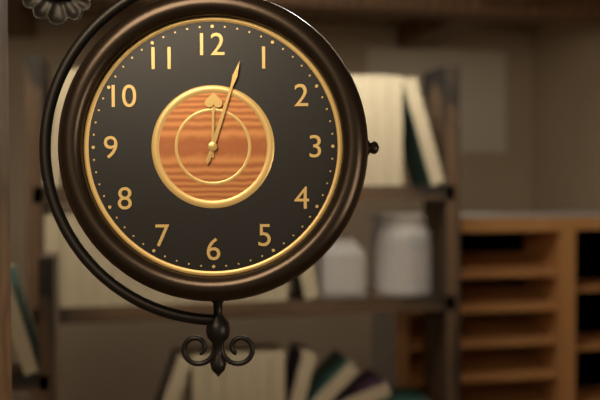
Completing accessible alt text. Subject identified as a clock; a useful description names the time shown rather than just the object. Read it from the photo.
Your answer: 12:03
